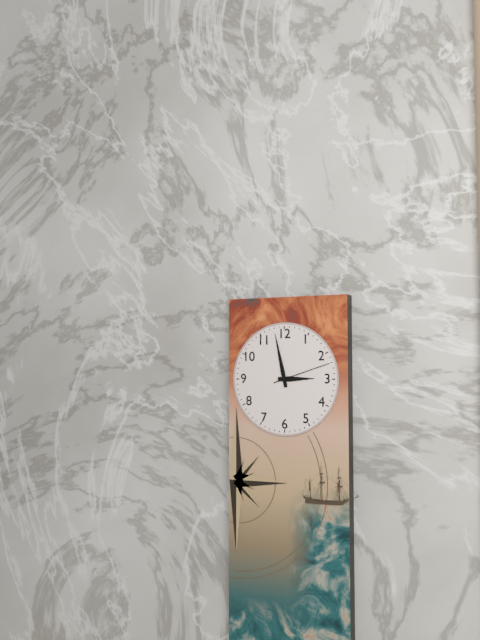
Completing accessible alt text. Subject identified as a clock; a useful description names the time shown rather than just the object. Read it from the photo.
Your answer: 2:58:12
